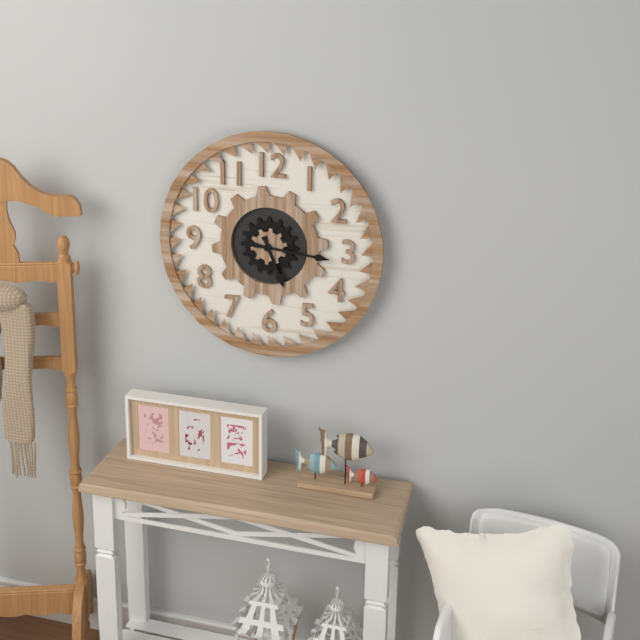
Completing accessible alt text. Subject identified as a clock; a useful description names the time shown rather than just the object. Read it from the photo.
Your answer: 5:16
